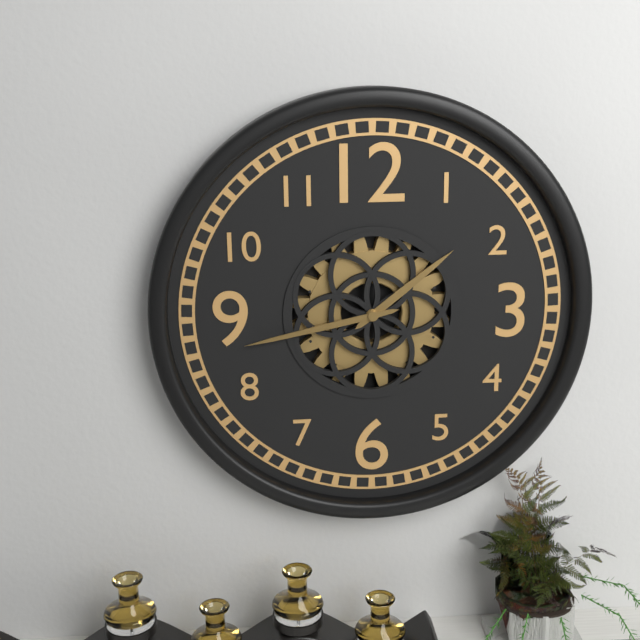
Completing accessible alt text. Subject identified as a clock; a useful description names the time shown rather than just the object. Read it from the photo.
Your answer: 1:43
